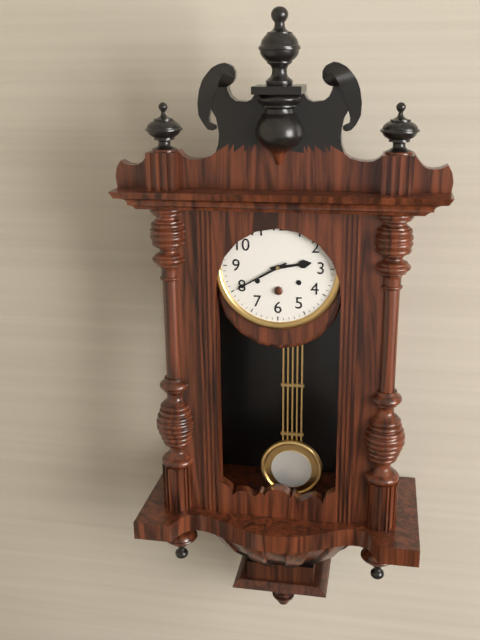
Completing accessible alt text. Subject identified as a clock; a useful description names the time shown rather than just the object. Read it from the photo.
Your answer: 2:40
